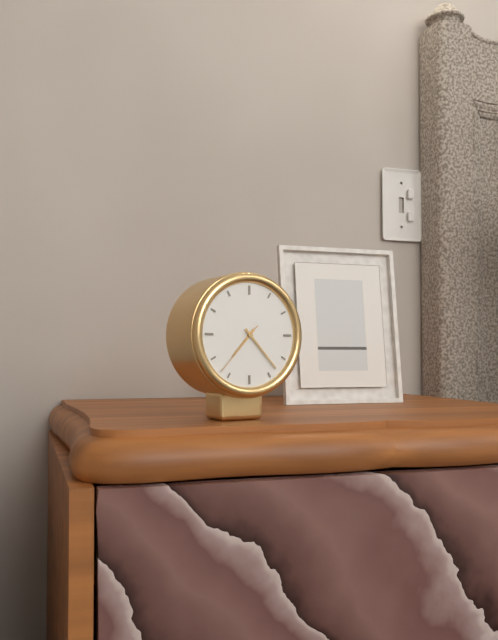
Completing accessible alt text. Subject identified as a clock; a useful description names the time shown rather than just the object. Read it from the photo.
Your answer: 7:23
